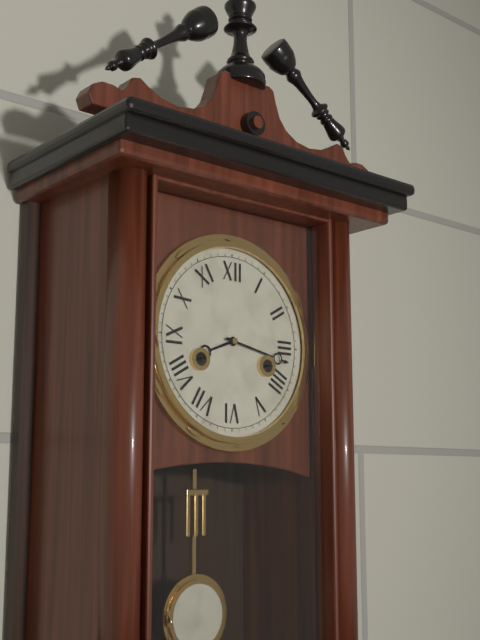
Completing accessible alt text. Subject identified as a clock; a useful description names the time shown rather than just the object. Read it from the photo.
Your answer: 8:17
